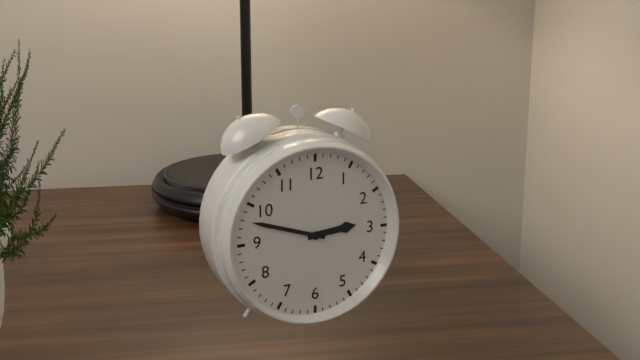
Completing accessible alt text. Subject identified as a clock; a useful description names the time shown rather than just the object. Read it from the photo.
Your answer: 2:48
